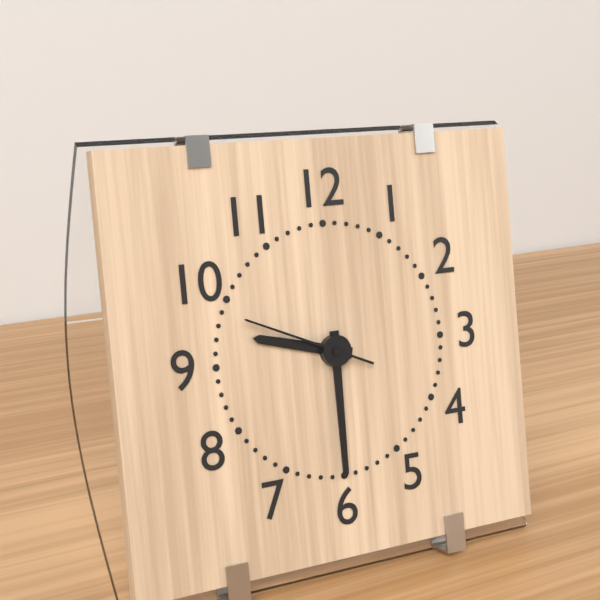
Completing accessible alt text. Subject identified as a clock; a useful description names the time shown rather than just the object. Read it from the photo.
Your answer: 9:30:49
